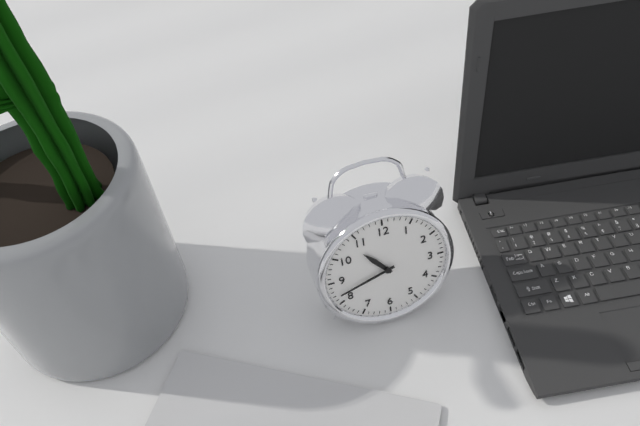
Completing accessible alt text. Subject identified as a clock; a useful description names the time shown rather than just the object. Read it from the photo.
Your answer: 10:42
